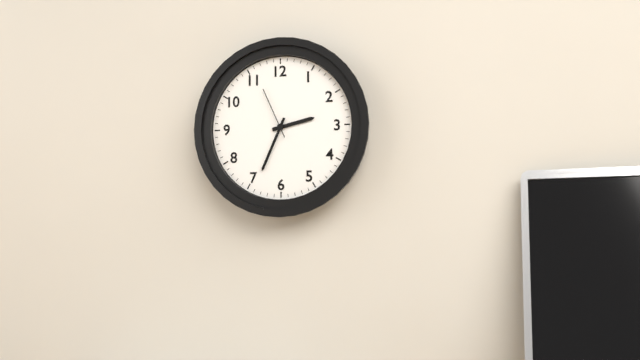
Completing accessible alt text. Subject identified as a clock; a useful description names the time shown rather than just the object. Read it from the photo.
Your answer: 2:34:56
